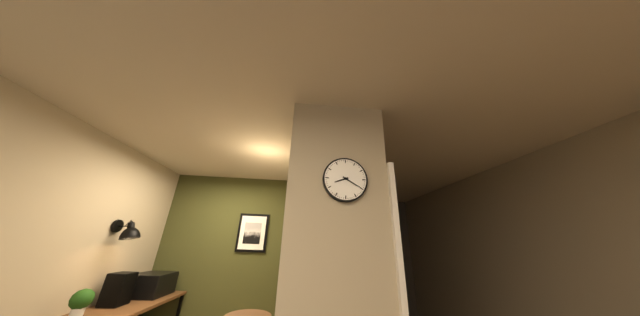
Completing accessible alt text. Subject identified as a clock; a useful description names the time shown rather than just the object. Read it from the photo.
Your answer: 8:20
